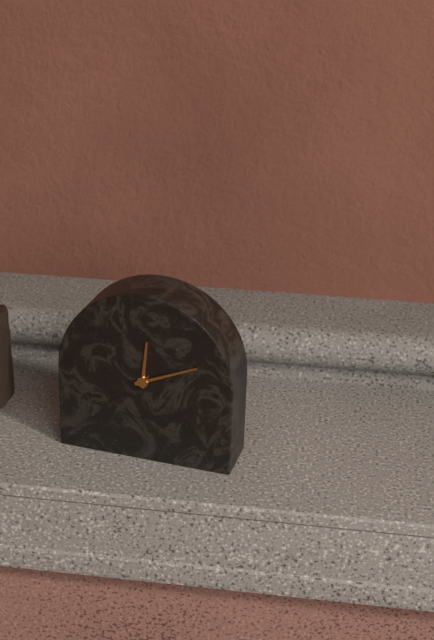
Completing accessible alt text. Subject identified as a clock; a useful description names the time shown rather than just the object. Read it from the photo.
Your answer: 12:11
